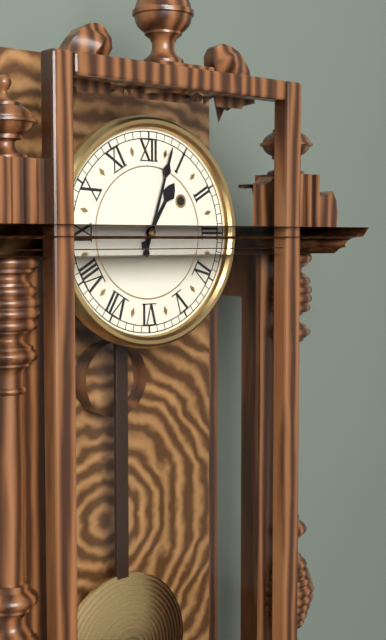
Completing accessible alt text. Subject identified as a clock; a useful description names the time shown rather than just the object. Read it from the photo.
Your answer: 1:03
